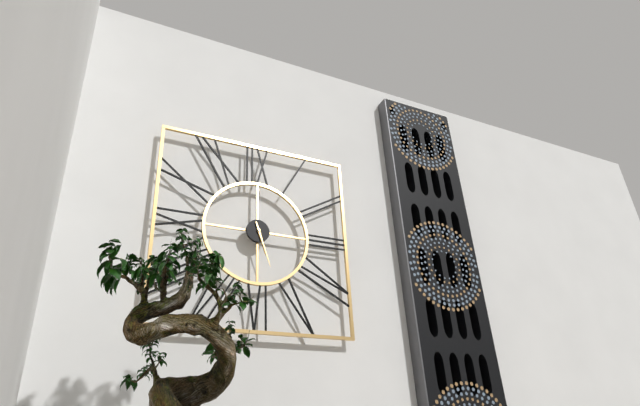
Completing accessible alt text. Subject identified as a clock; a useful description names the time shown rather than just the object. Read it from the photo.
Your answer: 5:27
